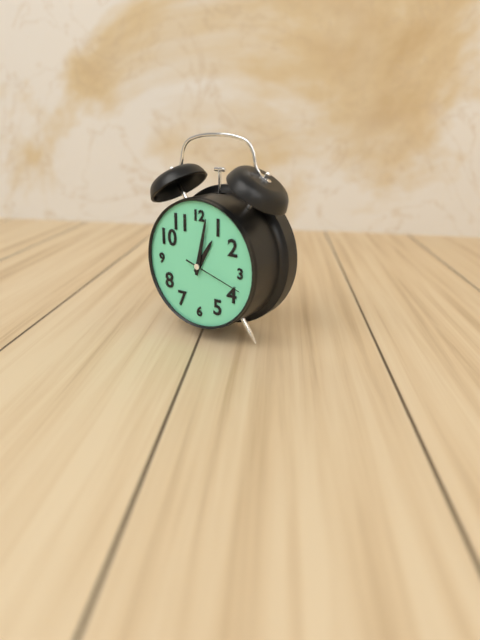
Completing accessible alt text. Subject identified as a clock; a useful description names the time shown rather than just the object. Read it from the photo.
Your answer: 1:02:18
